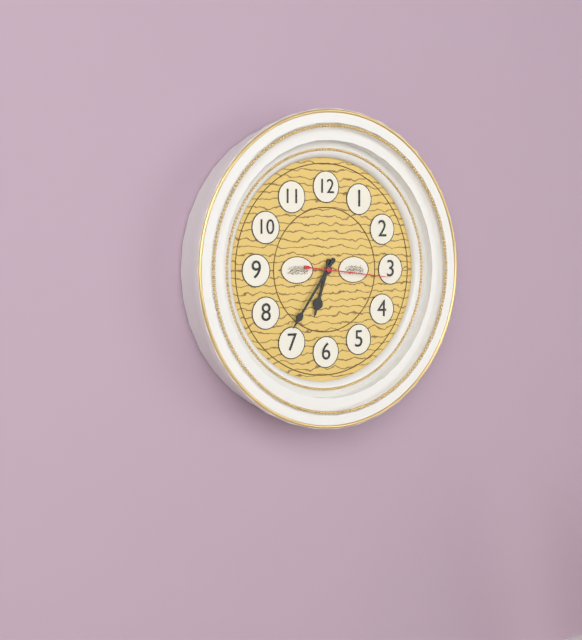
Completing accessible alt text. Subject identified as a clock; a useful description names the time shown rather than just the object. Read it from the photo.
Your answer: 6:36:16
